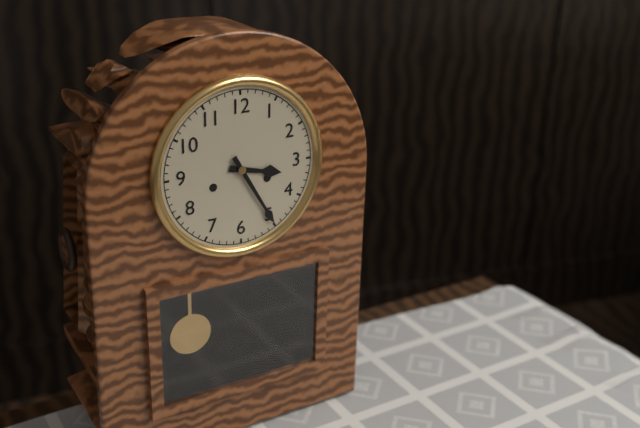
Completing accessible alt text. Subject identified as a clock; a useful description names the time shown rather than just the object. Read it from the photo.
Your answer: 3:25
